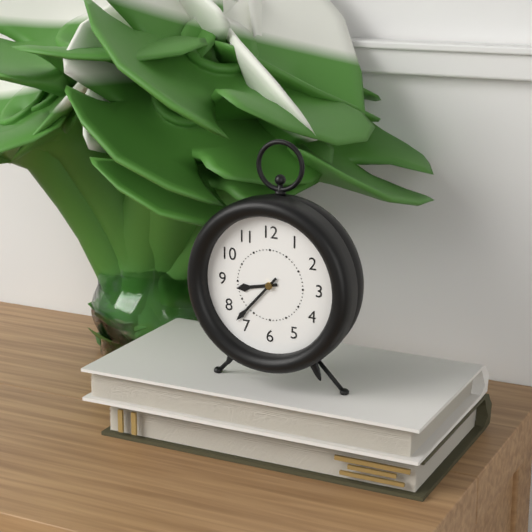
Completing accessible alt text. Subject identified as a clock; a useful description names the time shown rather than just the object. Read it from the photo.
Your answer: 8:37
